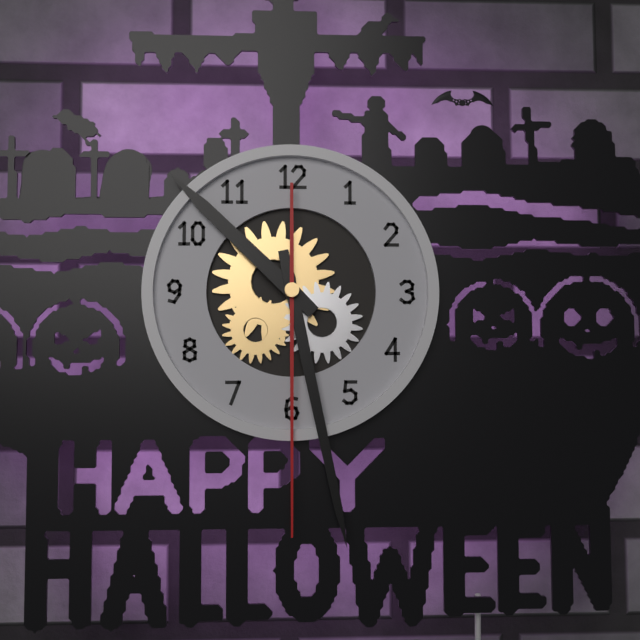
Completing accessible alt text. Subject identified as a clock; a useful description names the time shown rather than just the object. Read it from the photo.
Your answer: 10:28:30
